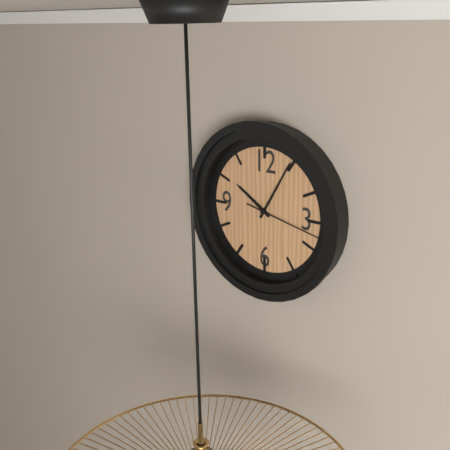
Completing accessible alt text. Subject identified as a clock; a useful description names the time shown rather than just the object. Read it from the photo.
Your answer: 10:05:17
